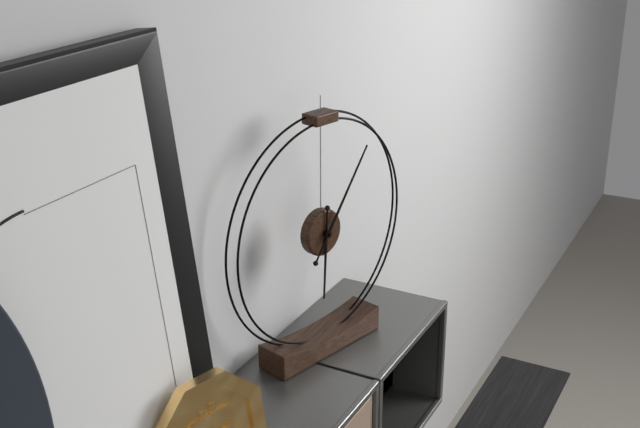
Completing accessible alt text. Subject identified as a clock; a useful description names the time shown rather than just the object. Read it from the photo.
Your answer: 6:06
